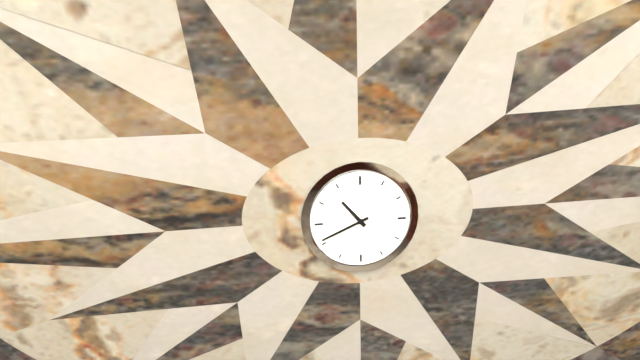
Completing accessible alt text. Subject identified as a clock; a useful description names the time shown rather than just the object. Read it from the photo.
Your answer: 10:41
